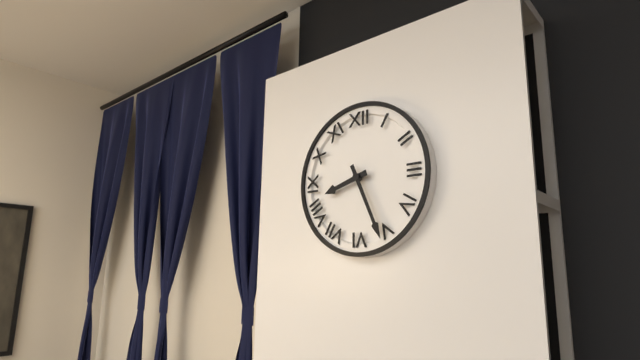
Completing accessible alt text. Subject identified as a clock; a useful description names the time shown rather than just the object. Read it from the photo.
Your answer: 8:26
